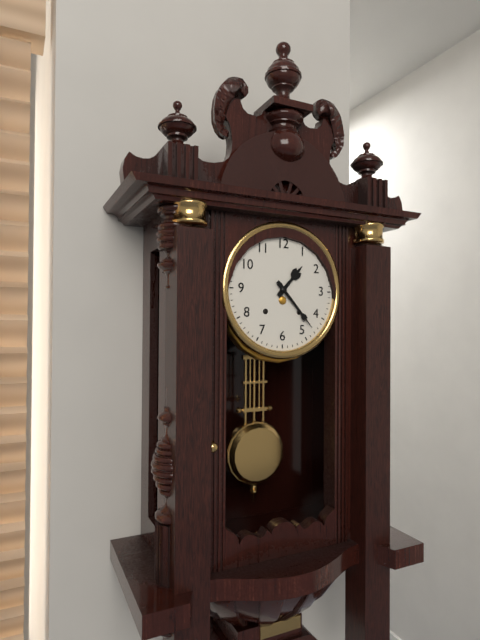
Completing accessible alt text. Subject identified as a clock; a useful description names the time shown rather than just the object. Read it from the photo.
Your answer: 1:23
